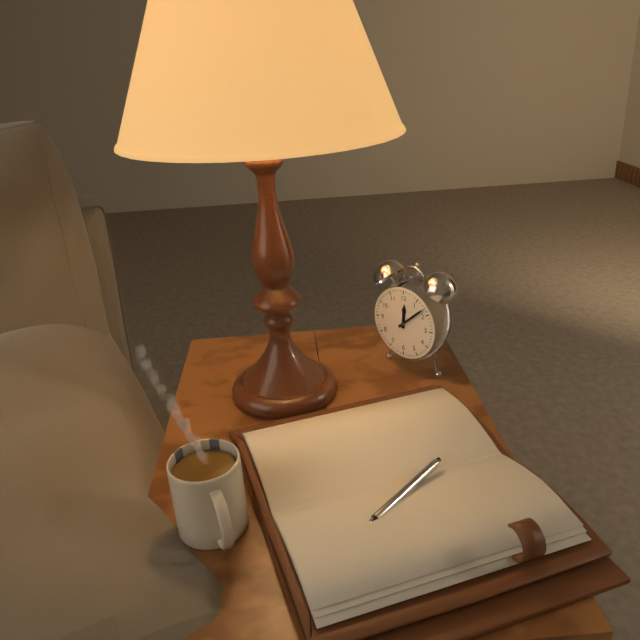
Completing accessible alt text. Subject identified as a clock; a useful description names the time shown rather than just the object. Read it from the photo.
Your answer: 12:08
